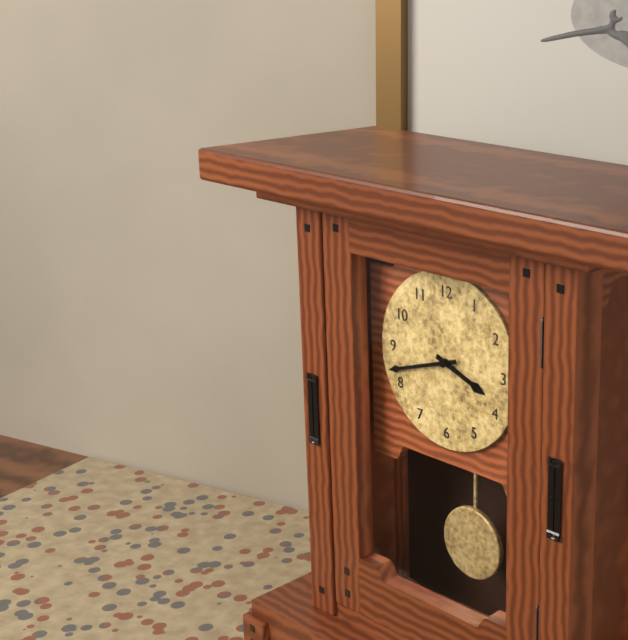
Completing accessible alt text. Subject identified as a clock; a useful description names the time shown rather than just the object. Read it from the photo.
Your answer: 3:42
